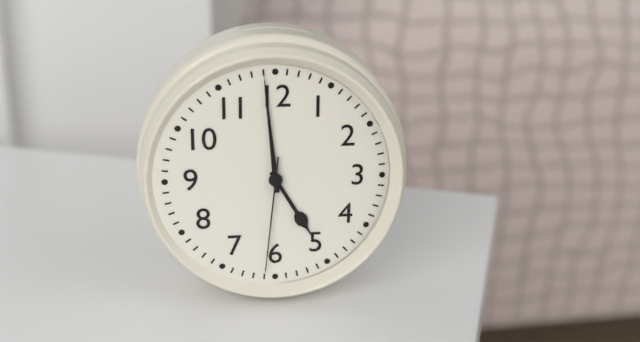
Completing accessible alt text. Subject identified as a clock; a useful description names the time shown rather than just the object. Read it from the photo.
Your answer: 4:59:31
